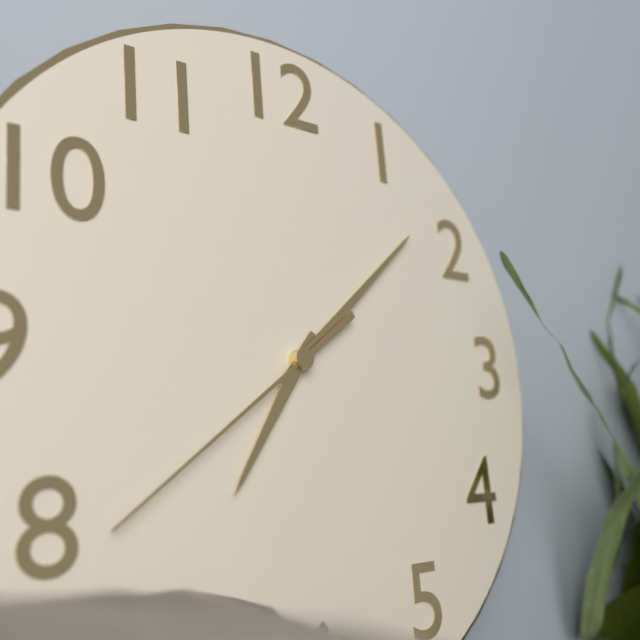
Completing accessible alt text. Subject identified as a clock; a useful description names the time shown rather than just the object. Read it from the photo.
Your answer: 7:08:39
